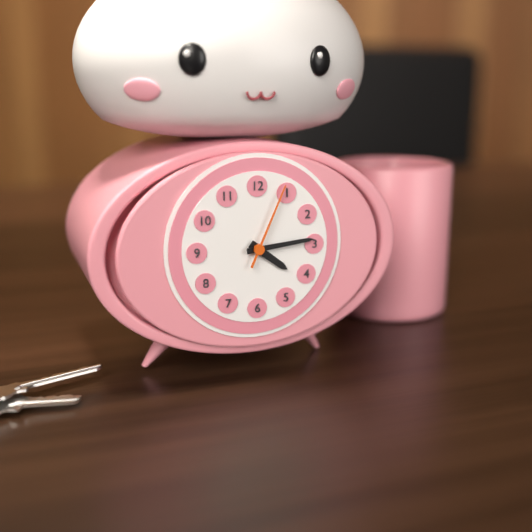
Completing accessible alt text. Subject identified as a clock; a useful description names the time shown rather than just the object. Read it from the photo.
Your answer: 4:14:04
